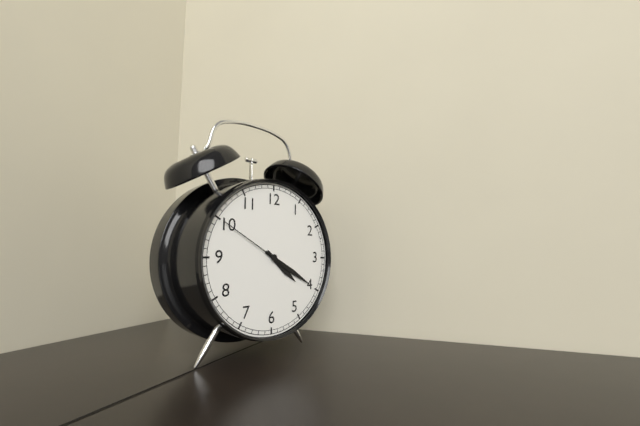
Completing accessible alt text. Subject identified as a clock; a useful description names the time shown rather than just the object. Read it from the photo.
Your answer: 4:20:50
